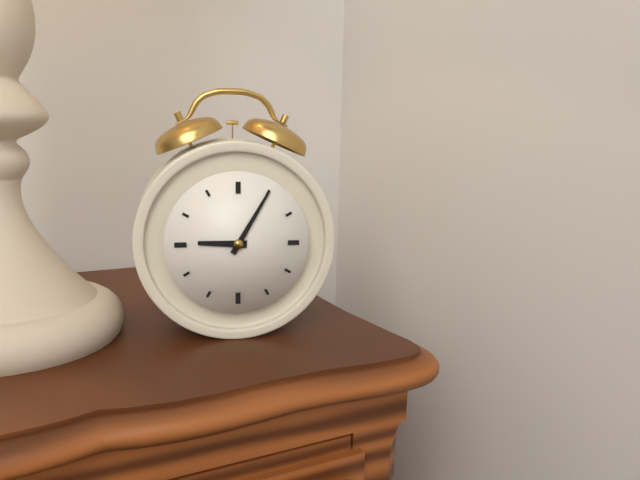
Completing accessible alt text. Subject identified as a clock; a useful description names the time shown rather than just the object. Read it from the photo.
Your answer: 9:05
